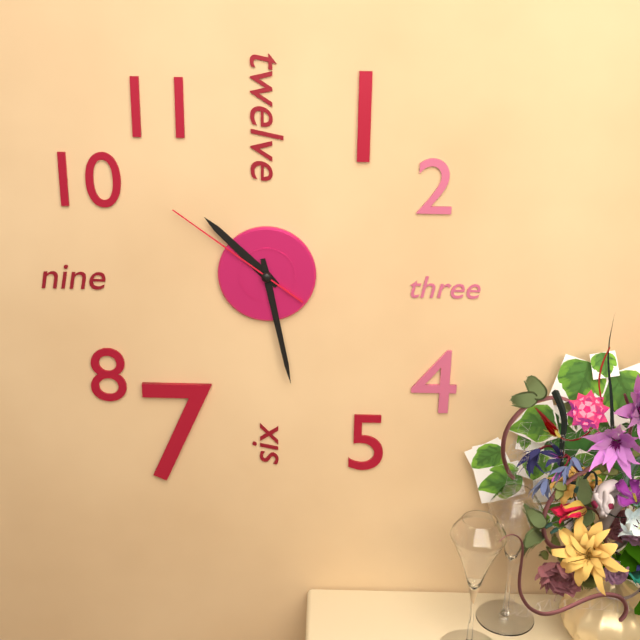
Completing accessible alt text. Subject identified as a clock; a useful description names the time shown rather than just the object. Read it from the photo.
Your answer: 10:28:51
